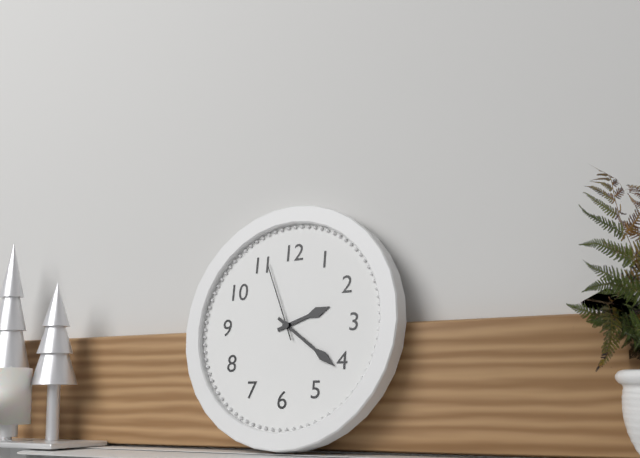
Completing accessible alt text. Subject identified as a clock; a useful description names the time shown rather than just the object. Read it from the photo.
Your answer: 2:21:56
